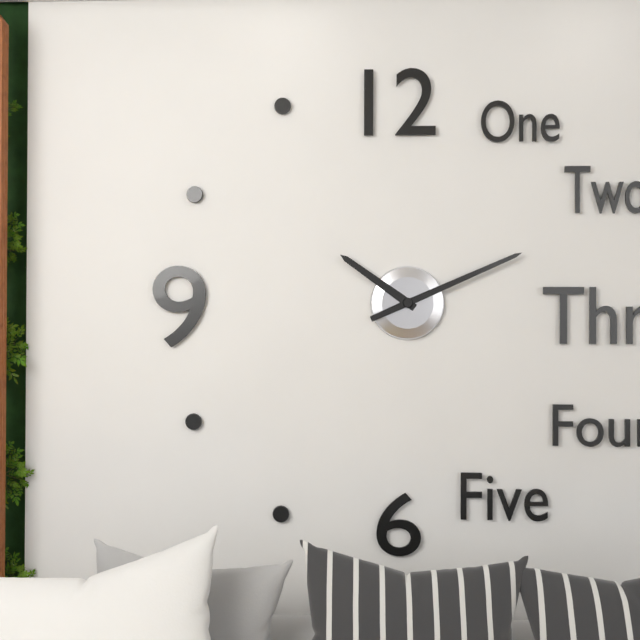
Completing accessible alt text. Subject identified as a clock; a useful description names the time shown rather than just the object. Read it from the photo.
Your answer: 10:11
